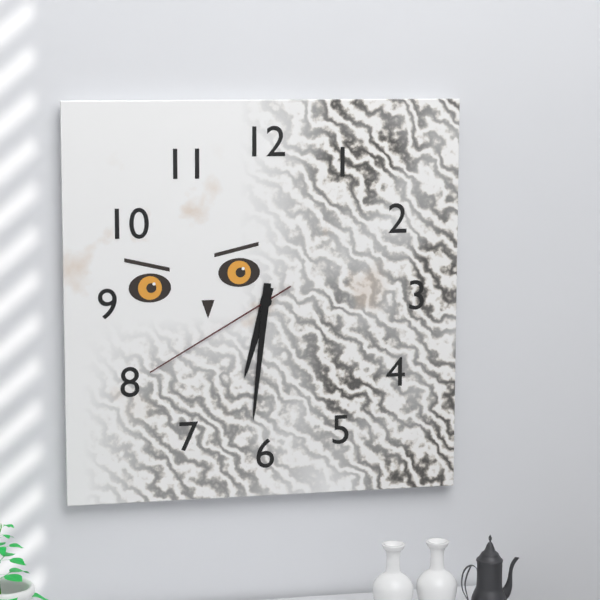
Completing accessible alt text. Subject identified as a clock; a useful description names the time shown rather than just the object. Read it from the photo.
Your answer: 6:31:40
